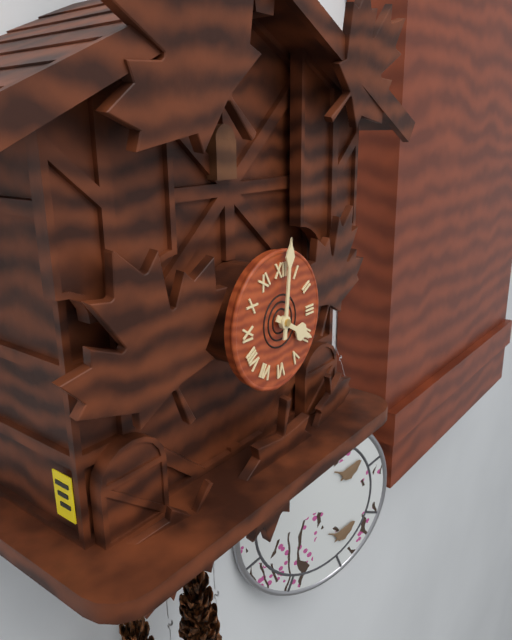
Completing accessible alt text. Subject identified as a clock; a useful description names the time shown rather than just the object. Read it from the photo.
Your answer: 4:01
